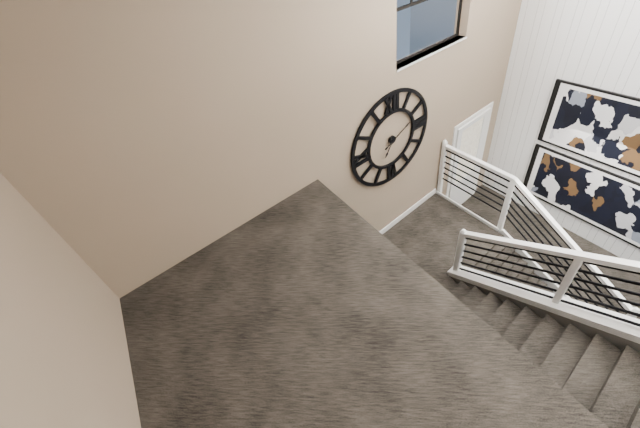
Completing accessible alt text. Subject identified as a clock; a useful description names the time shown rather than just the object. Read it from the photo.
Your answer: 7:11
